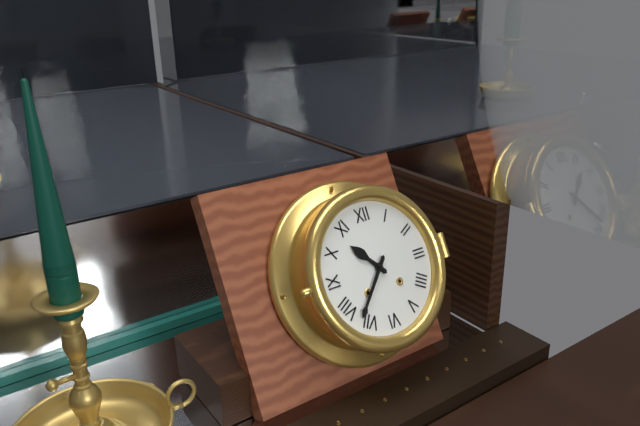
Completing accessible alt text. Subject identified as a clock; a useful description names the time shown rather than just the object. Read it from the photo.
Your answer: 10:37
